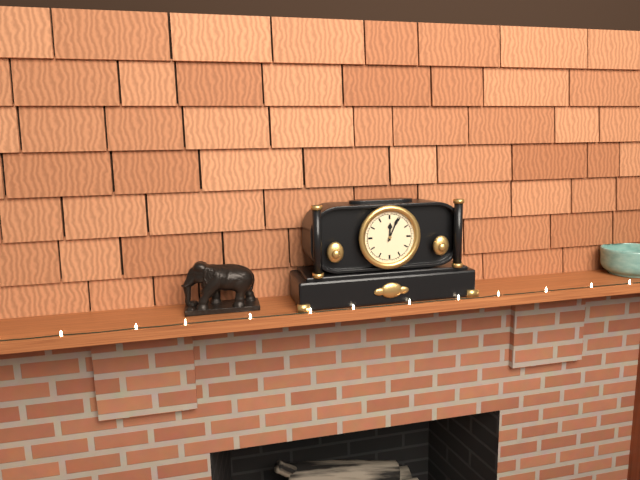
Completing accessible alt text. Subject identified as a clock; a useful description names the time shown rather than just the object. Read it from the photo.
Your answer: 12:04
